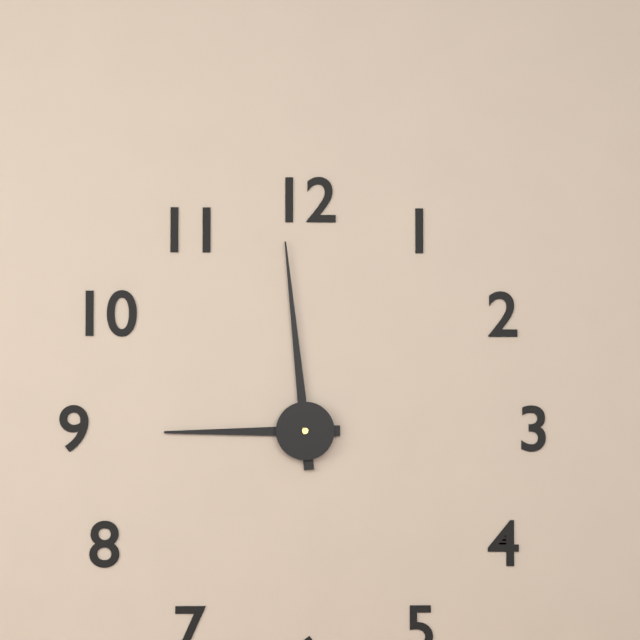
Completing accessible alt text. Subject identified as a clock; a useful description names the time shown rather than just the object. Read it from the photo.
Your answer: 8:59
